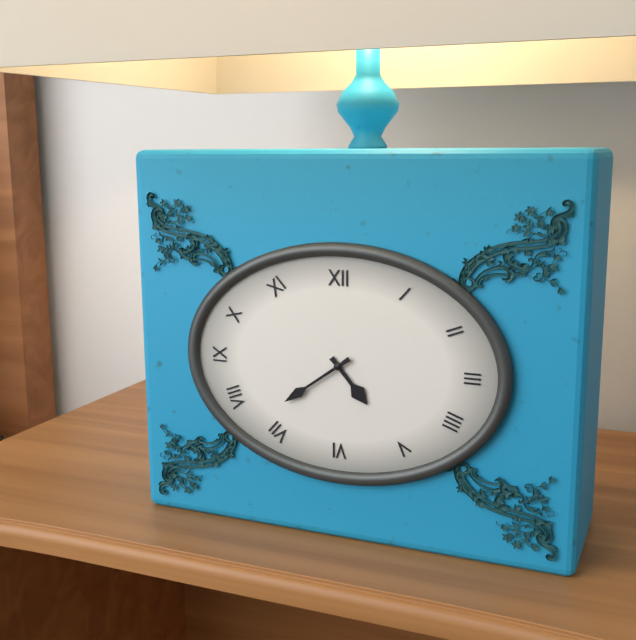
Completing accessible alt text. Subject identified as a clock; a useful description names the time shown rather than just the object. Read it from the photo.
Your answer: 4:39
